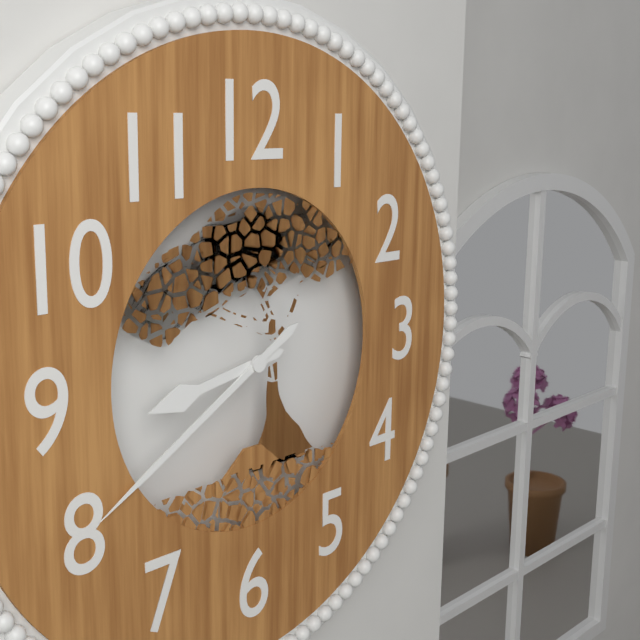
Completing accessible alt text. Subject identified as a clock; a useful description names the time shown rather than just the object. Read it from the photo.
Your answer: 8:40
